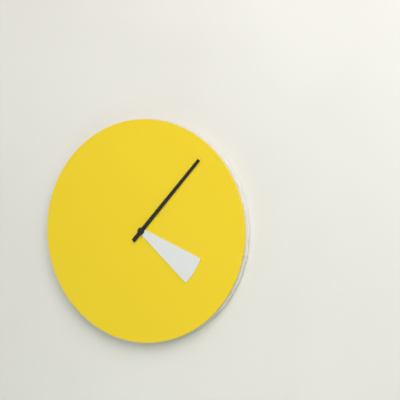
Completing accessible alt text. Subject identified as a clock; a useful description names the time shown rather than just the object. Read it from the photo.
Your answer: 4:07
